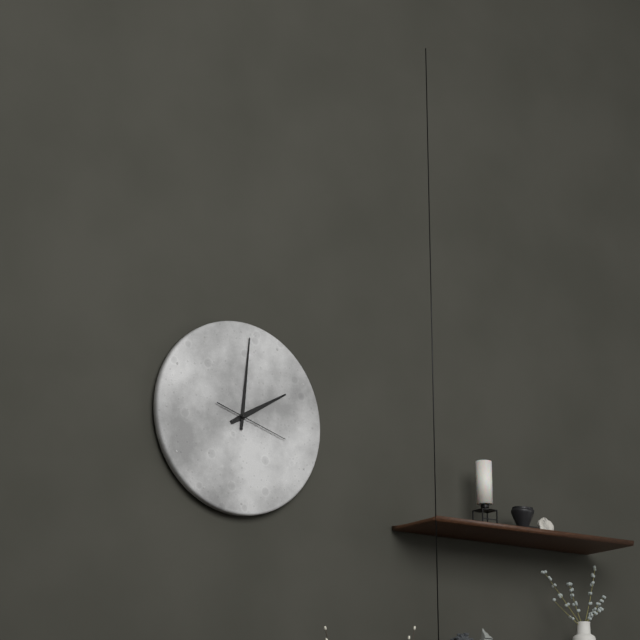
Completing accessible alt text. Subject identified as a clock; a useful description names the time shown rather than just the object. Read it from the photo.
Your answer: 2:01:18
